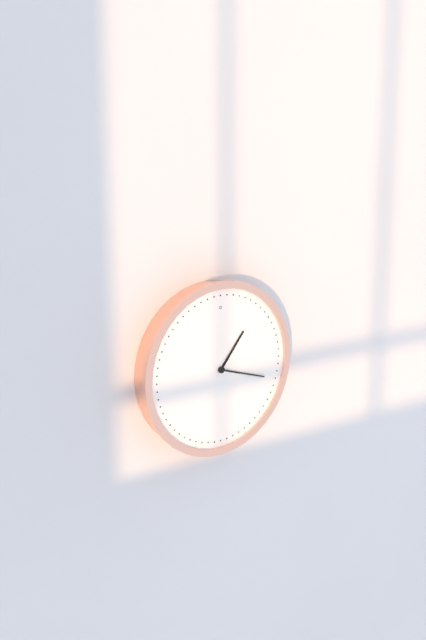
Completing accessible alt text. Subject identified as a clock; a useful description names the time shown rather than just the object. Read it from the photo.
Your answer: 1:18
